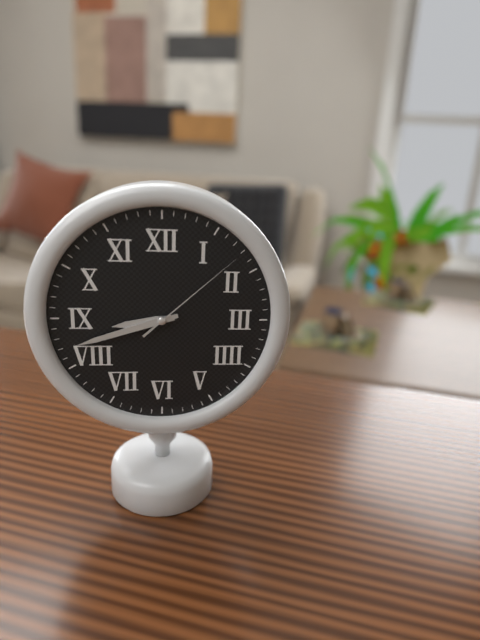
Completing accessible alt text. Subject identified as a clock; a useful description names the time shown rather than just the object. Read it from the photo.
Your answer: 8:42:08
